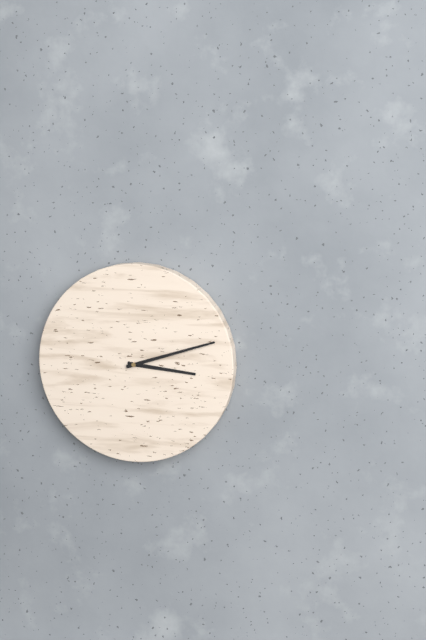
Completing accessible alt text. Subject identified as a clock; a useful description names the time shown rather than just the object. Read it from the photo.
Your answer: 3:12
